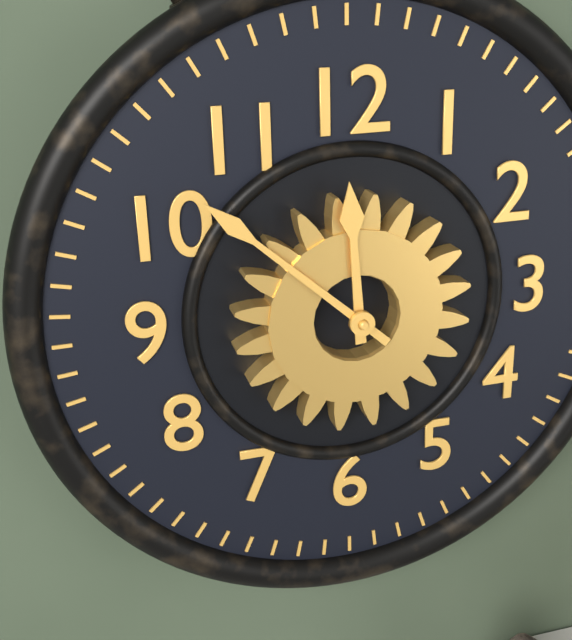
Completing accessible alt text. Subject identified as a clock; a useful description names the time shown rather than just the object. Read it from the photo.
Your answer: 11:52
